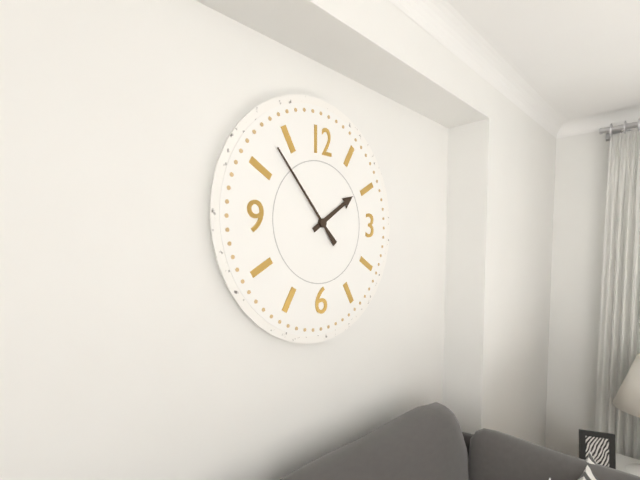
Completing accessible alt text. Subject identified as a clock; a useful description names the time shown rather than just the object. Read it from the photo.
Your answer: 1:53
